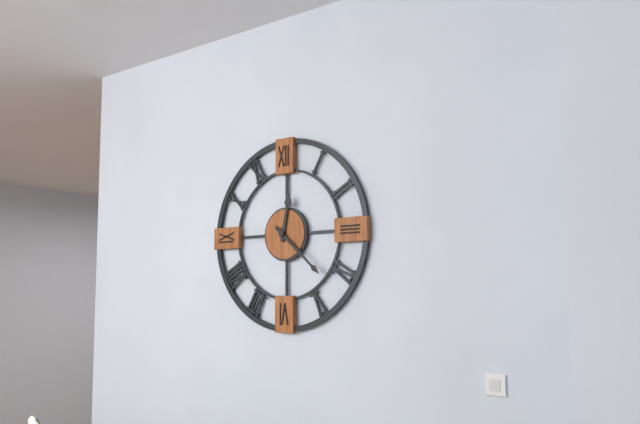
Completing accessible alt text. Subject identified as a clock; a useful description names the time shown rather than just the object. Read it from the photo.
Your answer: 12:22
